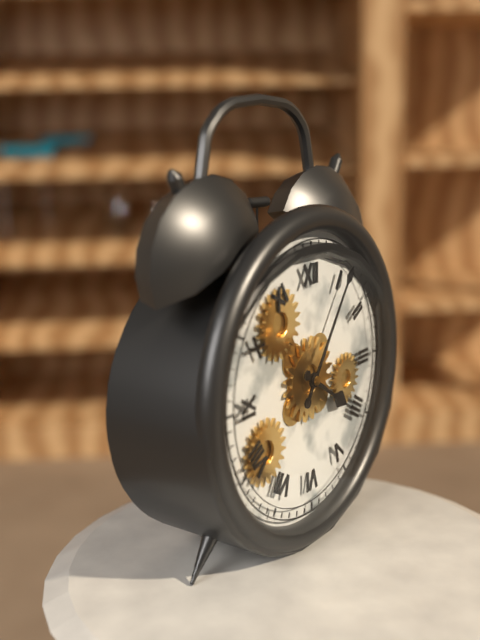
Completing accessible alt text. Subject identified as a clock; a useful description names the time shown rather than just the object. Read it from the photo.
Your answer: 4:06
